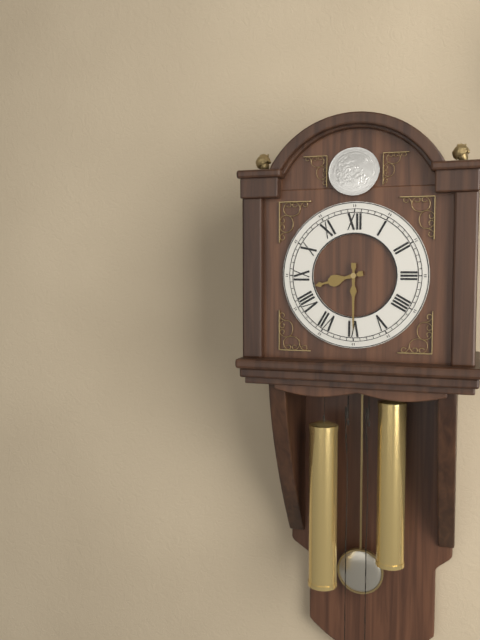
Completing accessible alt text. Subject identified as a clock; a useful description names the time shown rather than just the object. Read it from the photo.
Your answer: 8:30
